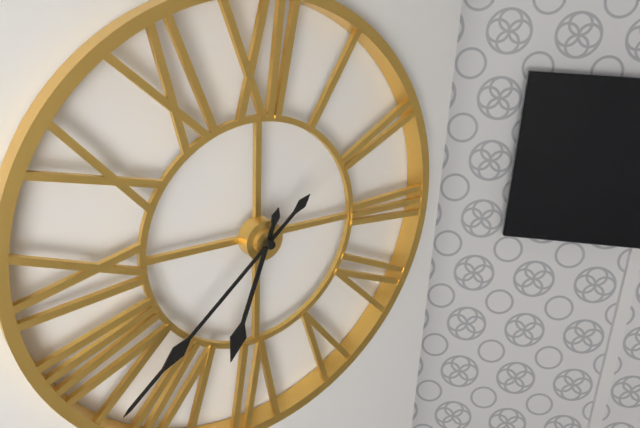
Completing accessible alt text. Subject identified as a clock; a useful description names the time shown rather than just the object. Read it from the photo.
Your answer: 6:38
